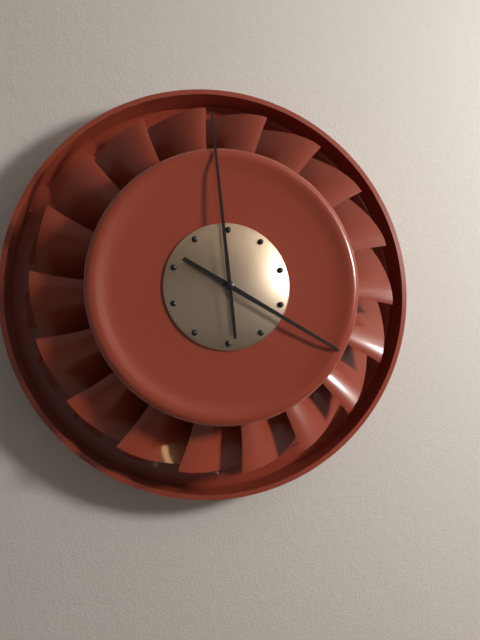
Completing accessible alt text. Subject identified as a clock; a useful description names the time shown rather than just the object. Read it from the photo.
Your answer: 3:59
